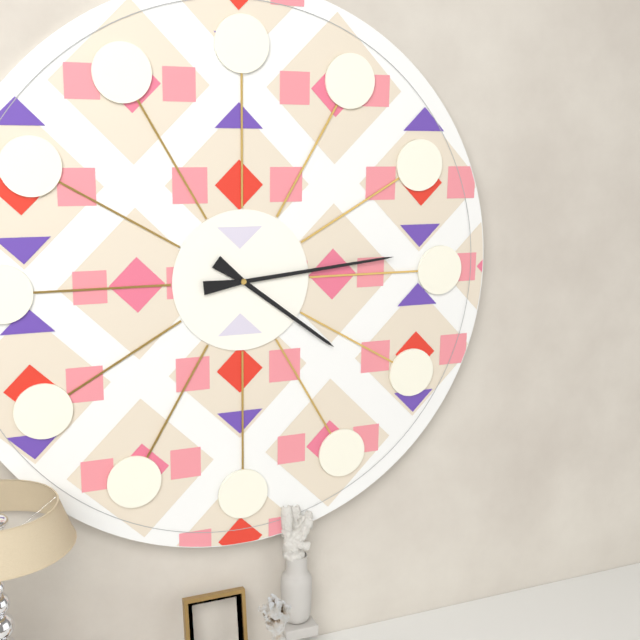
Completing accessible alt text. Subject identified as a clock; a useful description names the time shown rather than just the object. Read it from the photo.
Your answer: 4:14
